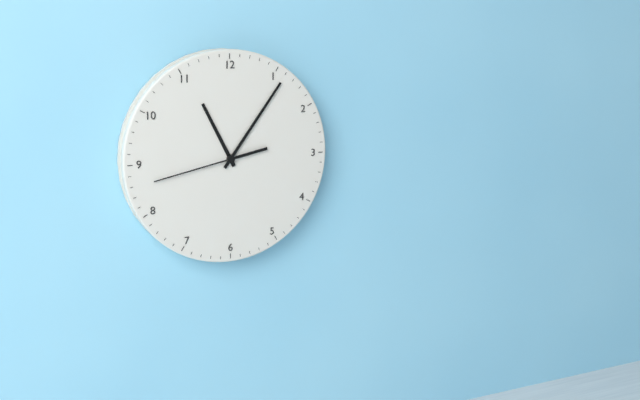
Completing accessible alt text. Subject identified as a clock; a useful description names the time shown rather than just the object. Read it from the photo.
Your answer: 11:06:43
